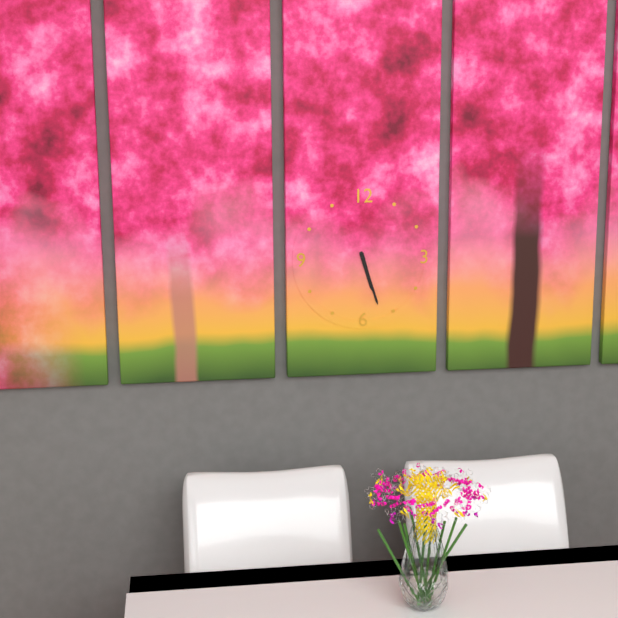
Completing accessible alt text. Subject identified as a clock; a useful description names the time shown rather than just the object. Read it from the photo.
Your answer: 5:27
